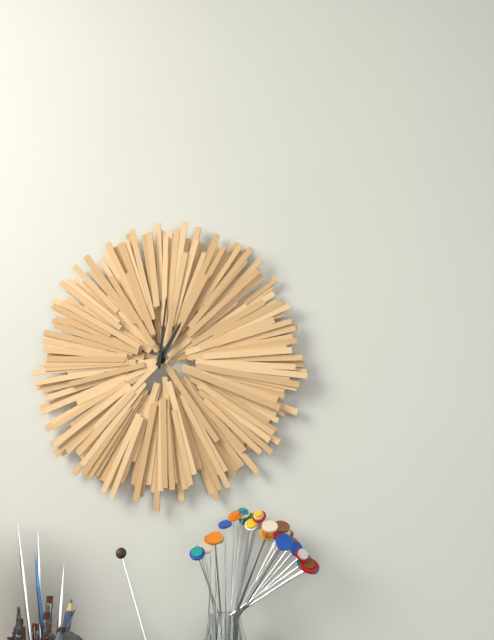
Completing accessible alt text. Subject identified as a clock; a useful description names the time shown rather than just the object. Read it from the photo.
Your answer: 1:01
